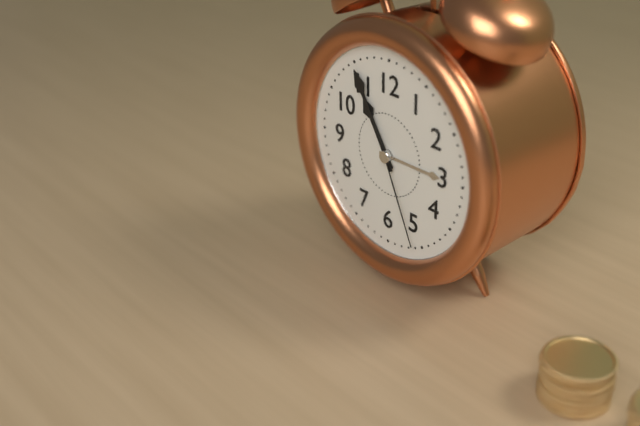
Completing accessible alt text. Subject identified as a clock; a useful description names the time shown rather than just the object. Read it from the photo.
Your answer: 10:55:26
